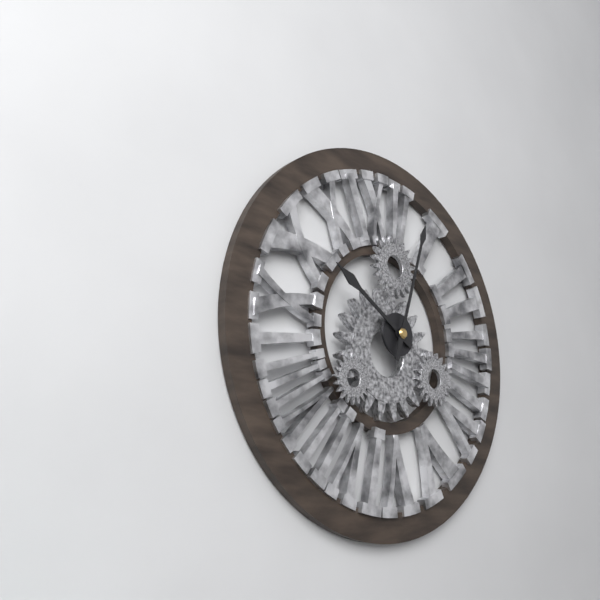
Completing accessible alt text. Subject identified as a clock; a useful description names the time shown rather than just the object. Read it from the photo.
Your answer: 10:03
